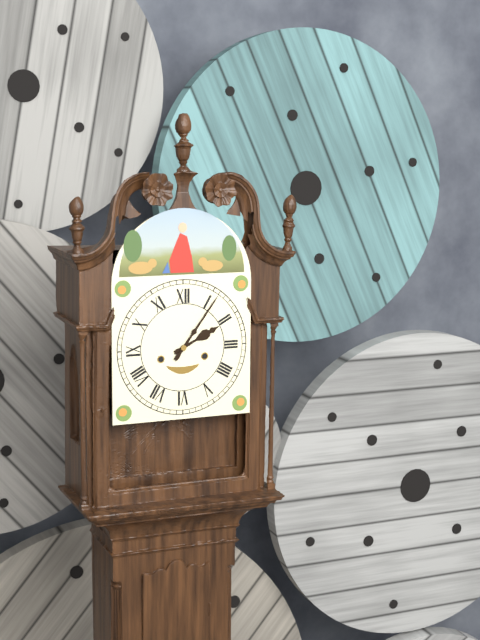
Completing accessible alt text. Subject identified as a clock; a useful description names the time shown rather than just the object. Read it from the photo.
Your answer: 2:06
